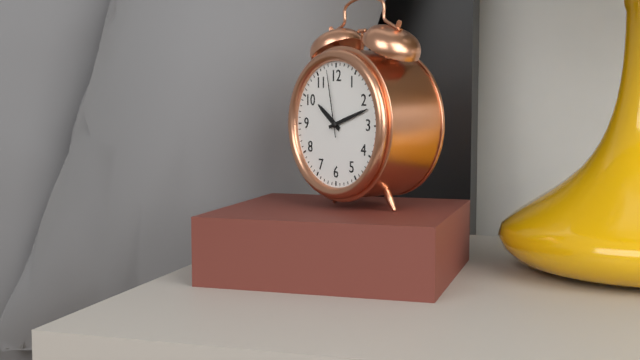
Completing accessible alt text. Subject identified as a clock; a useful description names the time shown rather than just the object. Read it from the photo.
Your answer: 10:12:58
